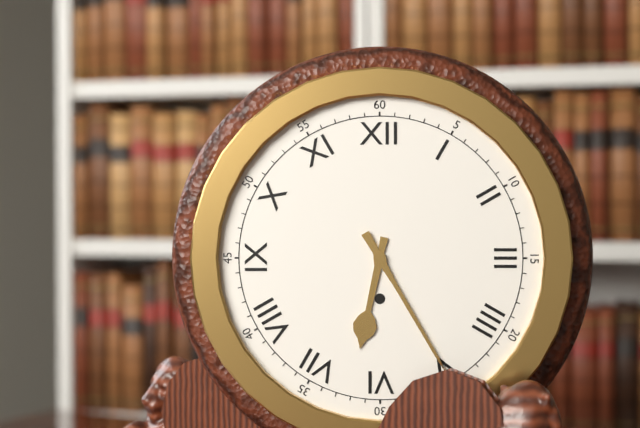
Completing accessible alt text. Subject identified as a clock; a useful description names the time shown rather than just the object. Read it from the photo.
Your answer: 6:25
